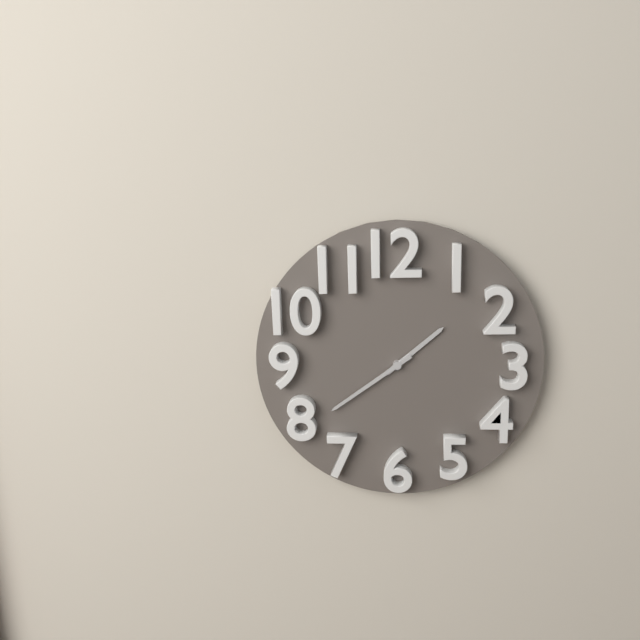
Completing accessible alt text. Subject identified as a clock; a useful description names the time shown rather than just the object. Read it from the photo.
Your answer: 1:39
